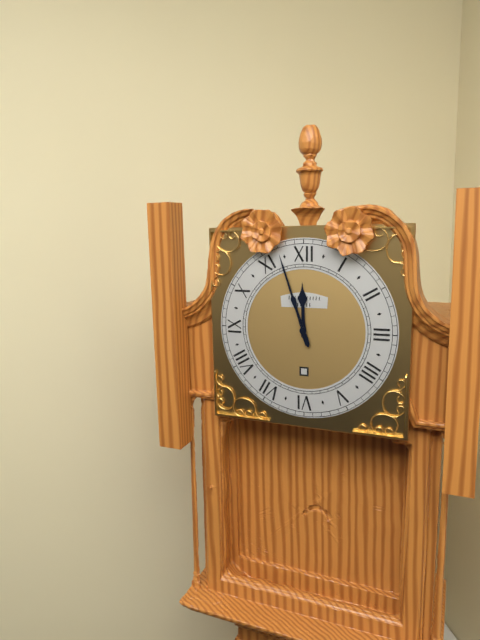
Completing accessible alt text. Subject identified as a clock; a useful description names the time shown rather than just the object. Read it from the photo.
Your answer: 11:57
